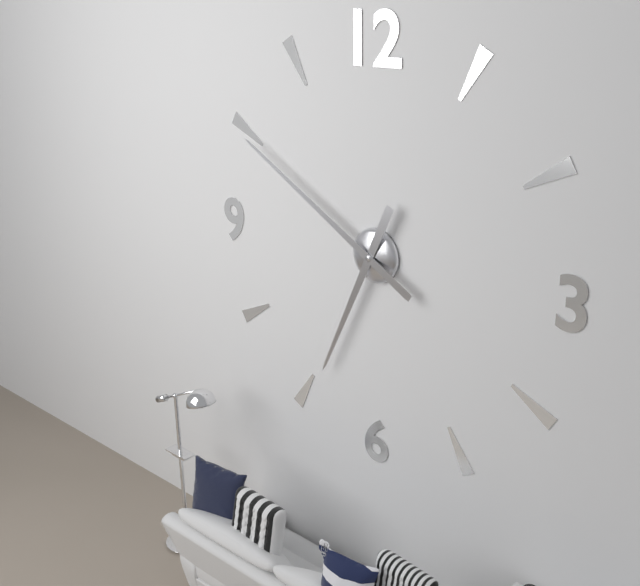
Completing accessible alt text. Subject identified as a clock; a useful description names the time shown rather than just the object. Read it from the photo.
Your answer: 6:50
